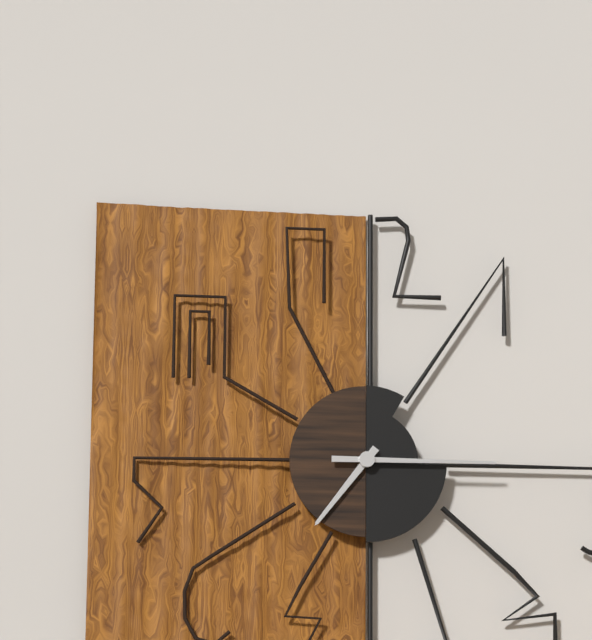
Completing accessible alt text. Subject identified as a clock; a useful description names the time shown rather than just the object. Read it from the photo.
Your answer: 7:15
